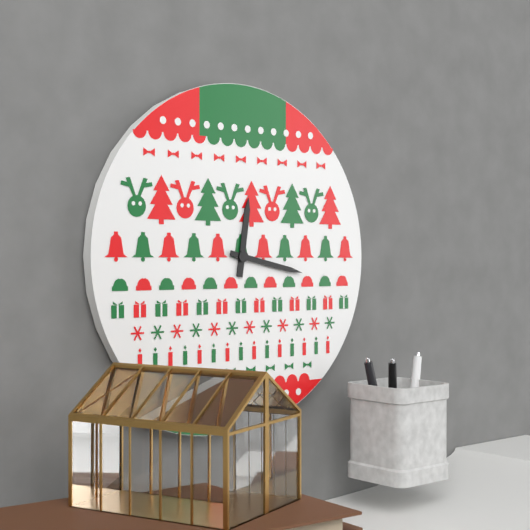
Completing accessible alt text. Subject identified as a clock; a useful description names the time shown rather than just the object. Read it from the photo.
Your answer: 12:17
